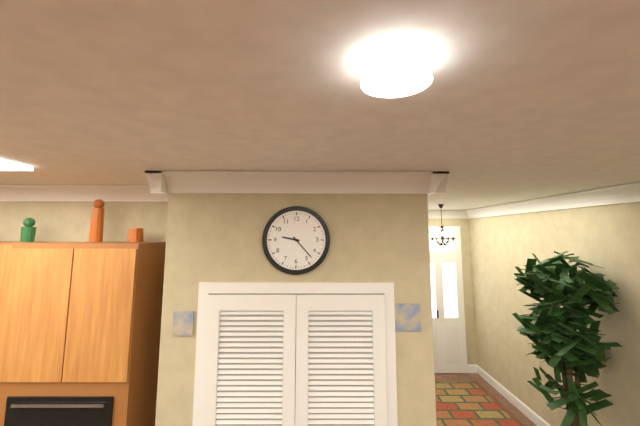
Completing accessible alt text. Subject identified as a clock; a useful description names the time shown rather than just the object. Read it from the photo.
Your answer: 9:23
